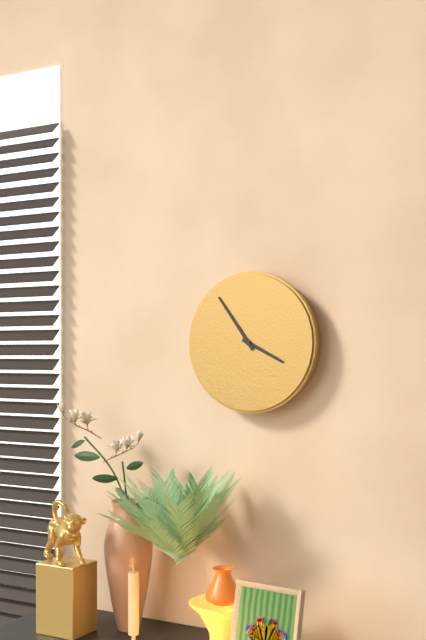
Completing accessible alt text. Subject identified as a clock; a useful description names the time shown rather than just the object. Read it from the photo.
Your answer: 3:54
